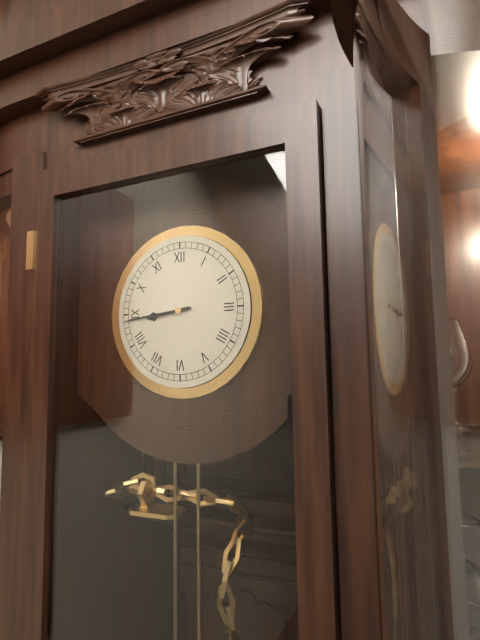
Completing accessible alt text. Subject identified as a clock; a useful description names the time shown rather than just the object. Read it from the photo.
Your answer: 8:44
